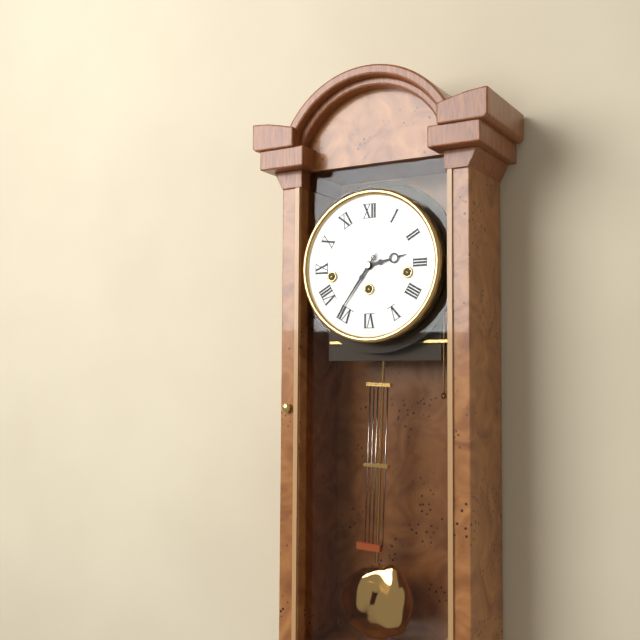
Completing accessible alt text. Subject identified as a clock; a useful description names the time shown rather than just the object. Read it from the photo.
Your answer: 2:36
